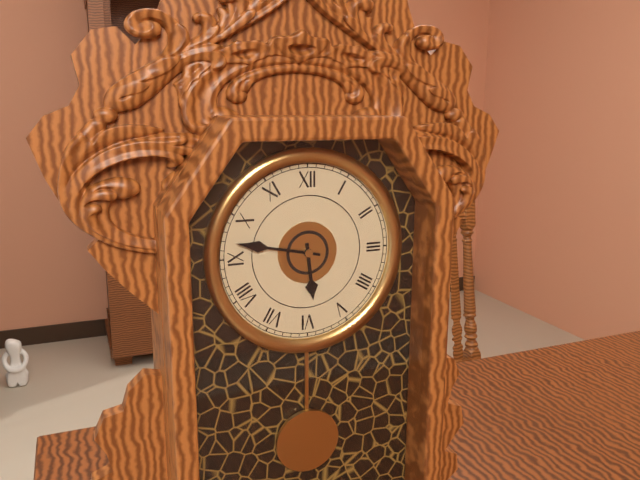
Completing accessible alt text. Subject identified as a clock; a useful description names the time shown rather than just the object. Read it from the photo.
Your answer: 5:47
